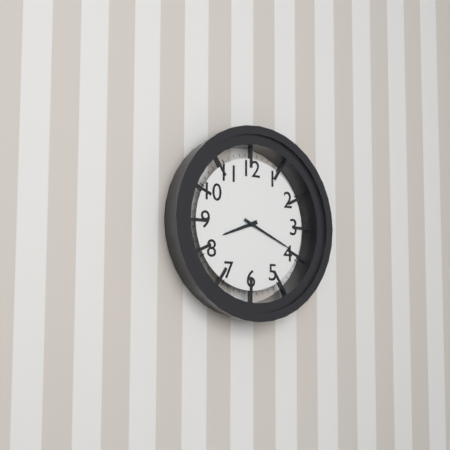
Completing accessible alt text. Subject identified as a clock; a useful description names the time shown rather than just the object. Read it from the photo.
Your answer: 8:19
